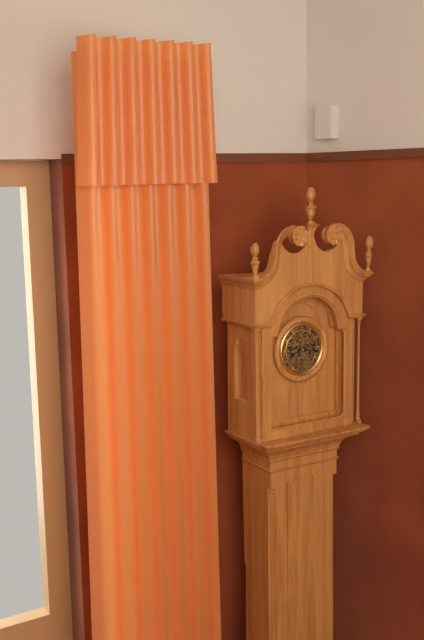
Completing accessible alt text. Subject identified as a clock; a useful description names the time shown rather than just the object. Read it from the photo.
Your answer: 8:17
